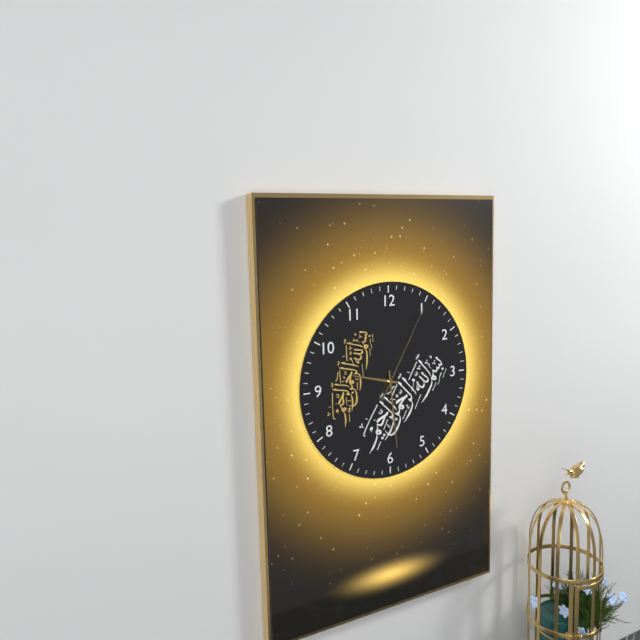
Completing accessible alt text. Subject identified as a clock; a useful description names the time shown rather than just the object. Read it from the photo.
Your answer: 9:29:05
